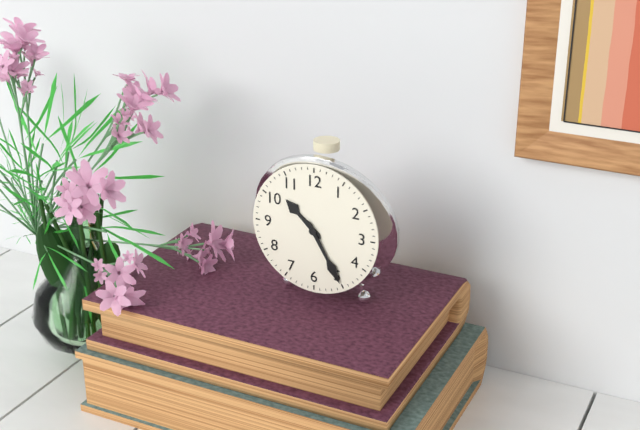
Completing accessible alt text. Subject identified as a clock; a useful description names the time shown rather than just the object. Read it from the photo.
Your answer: 10:25
